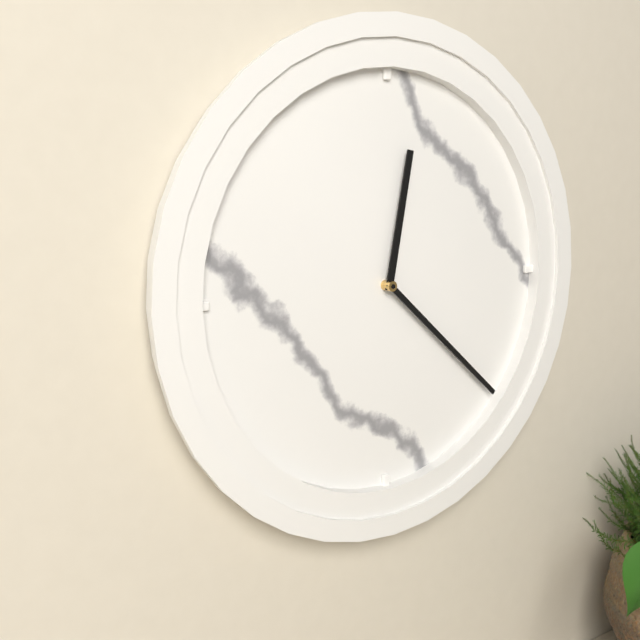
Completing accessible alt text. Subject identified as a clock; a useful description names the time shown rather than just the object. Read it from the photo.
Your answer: 12:22
